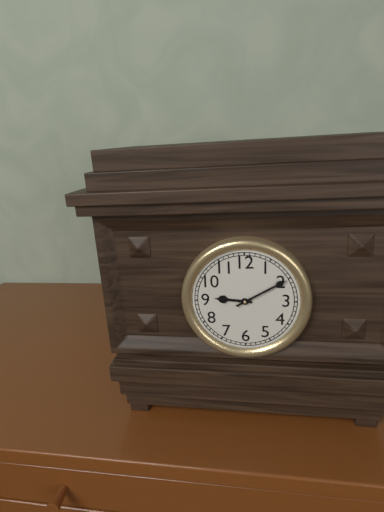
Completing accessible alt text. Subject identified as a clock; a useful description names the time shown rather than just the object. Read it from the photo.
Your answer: 9:10
